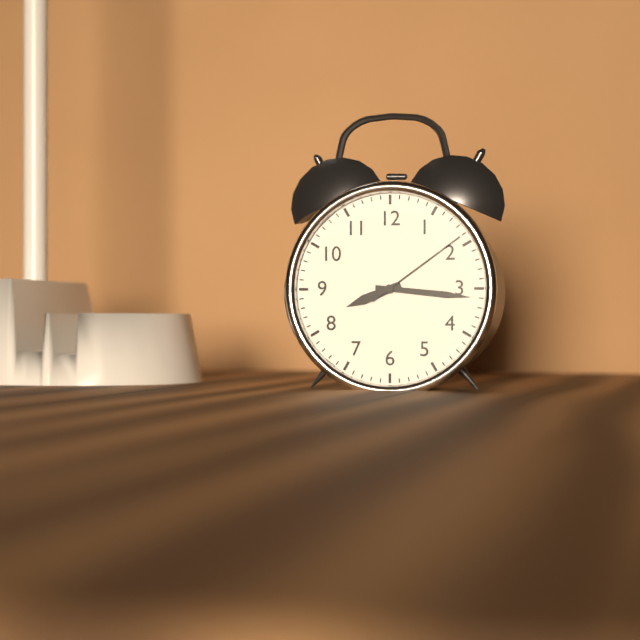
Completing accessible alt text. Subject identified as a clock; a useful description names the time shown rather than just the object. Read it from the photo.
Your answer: 8:16:09
